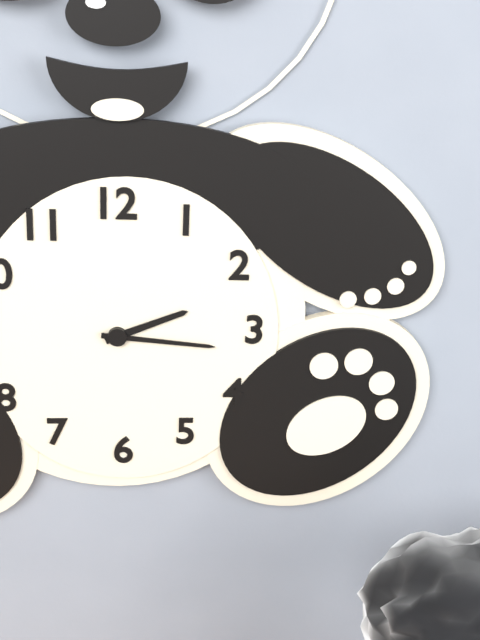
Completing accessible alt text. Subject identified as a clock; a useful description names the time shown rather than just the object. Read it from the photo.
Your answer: 2:16
